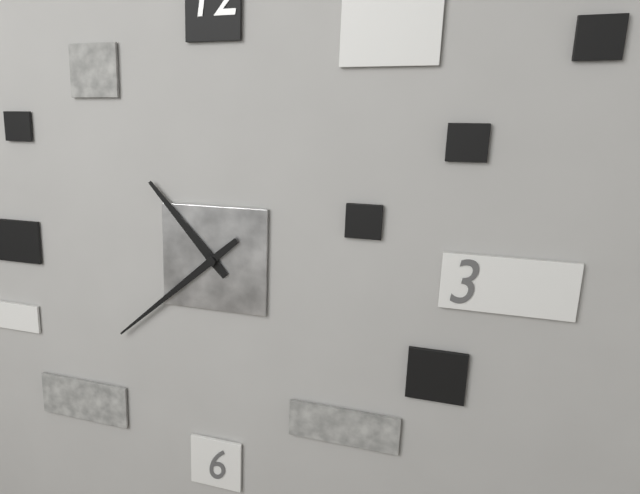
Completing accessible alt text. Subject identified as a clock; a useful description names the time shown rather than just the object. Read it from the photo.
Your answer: 10:38
